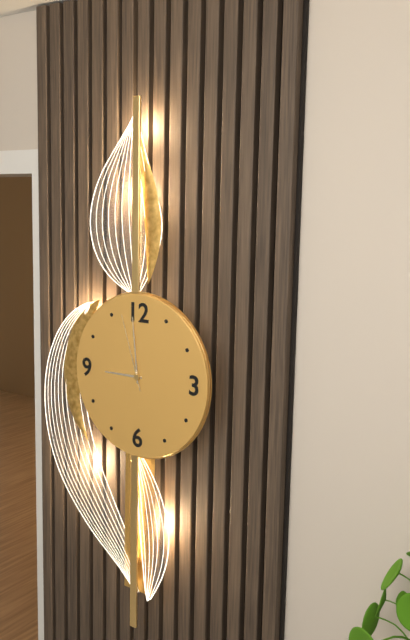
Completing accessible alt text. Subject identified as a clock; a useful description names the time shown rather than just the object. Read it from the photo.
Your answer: 8:59:57
